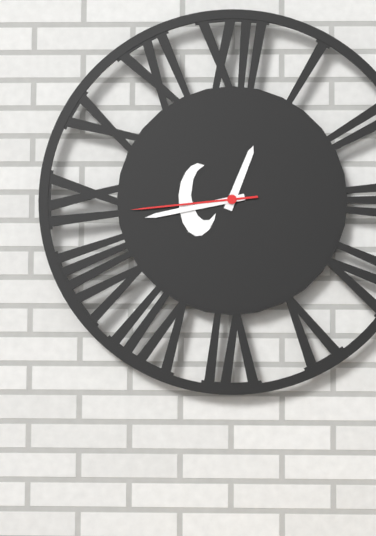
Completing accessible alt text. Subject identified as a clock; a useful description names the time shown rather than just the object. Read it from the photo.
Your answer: 12:43:44
